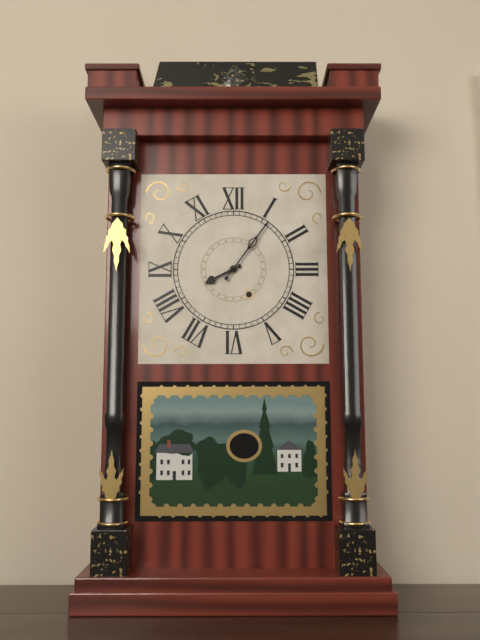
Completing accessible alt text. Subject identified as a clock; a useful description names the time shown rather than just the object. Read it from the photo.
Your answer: 8:06
